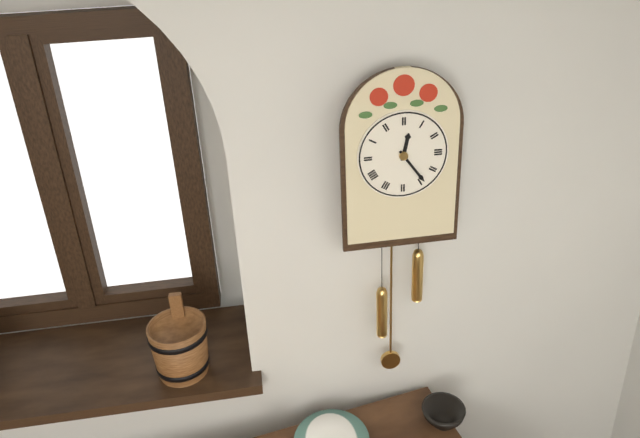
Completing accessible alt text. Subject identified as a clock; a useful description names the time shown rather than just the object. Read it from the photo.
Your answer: 12:24
